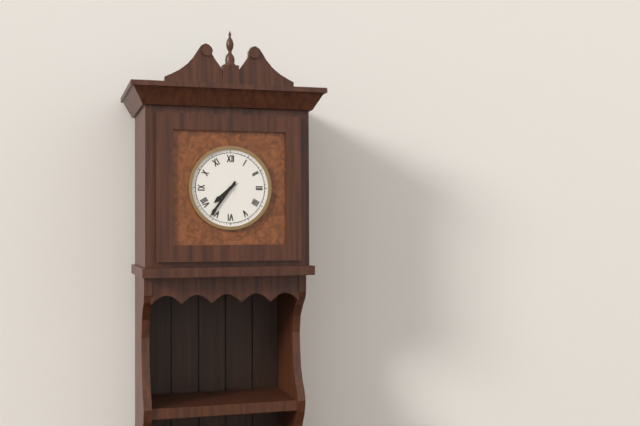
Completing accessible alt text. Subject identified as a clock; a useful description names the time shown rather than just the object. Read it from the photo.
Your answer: 7:36
